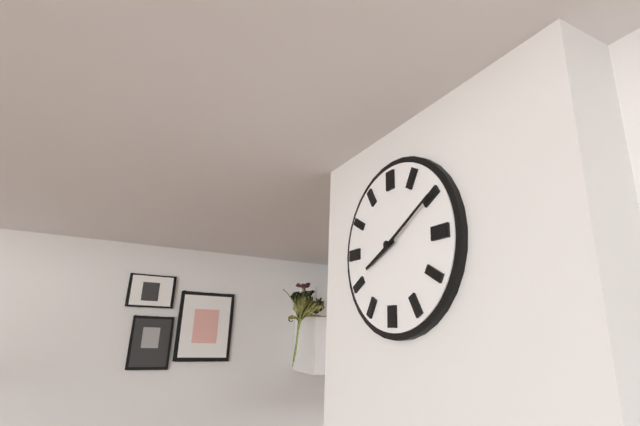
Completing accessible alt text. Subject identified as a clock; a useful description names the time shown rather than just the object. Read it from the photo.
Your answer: 8:10
